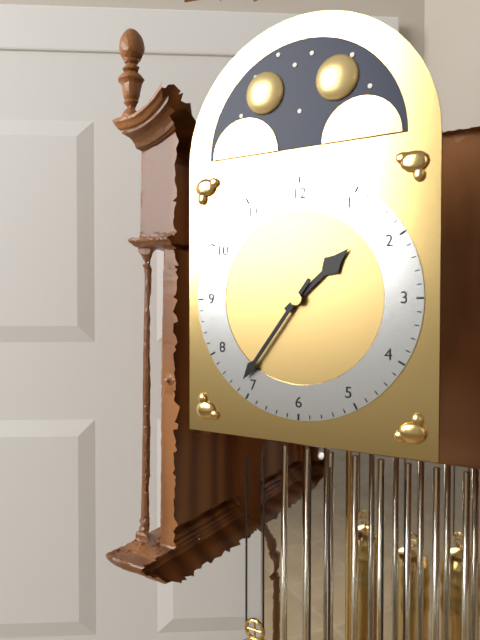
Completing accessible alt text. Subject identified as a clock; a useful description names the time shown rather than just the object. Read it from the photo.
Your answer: 1:36
